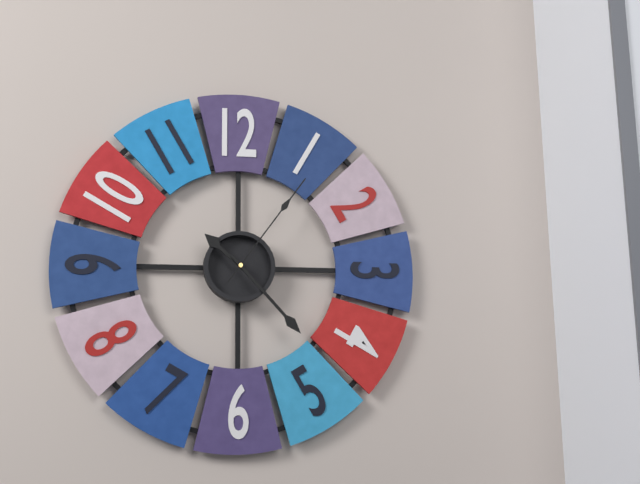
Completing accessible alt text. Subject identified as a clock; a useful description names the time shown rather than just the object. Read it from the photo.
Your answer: 10:23:06
